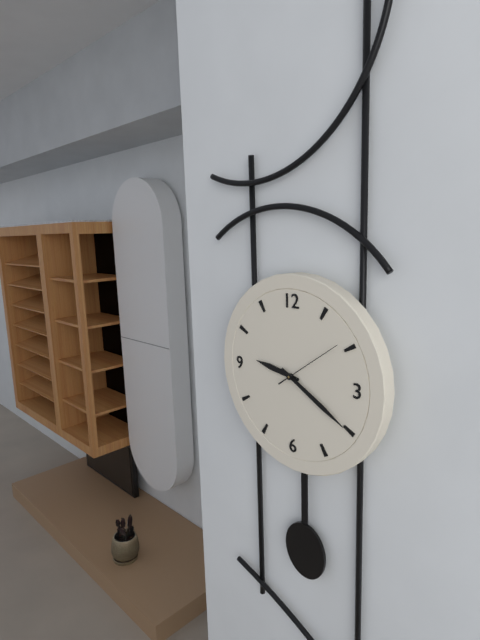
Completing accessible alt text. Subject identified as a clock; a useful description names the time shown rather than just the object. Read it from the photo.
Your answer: 9:20:09
